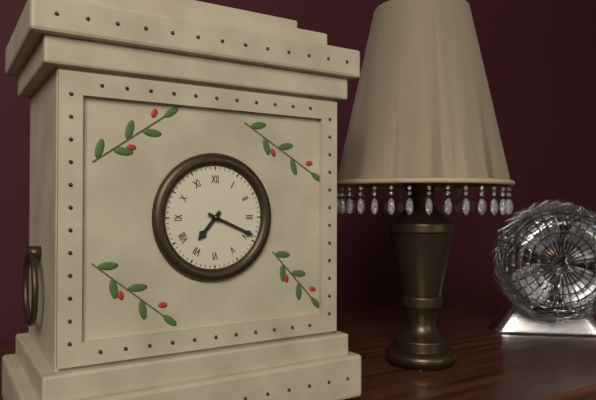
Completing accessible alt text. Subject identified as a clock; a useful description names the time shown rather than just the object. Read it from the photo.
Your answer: 7:19
